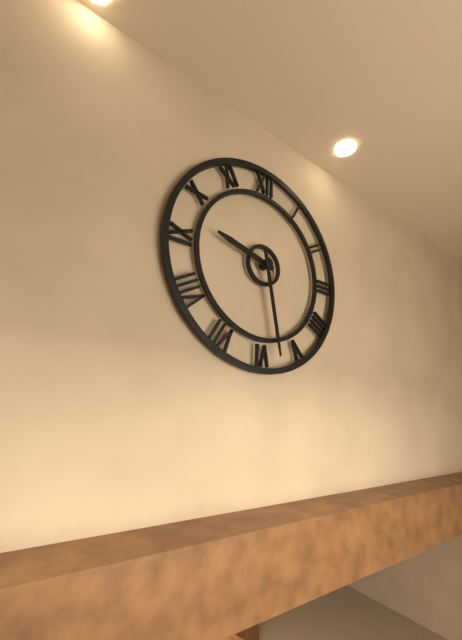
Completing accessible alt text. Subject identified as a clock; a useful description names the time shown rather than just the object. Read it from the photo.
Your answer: 9:28
